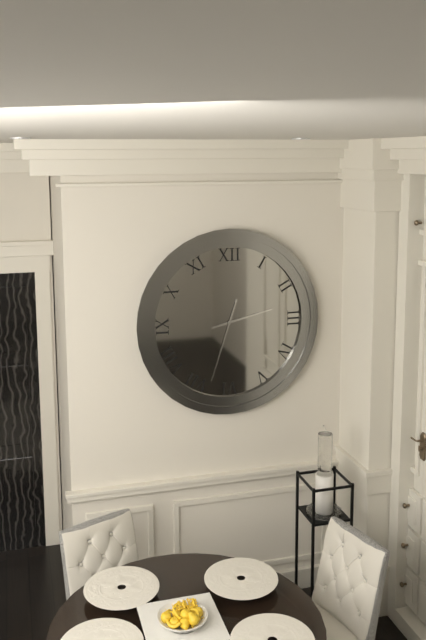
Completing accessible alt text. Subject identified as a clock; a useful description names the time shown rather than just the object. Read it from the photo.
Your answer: 2:33
